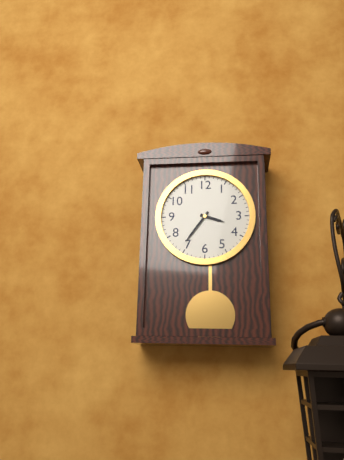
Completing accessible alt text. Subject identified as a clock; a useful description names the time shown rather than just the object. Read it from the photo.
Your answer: 3:36
